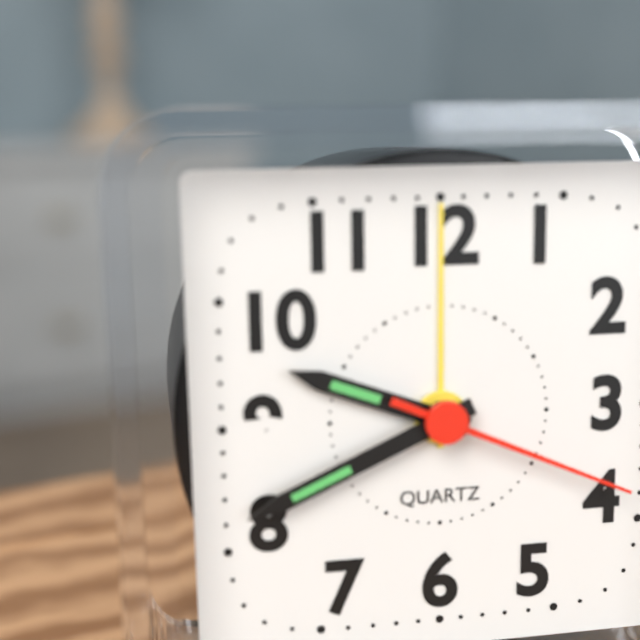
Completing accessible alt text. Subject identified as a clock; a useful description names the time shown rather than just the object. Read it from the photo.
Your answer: 9:41:19
